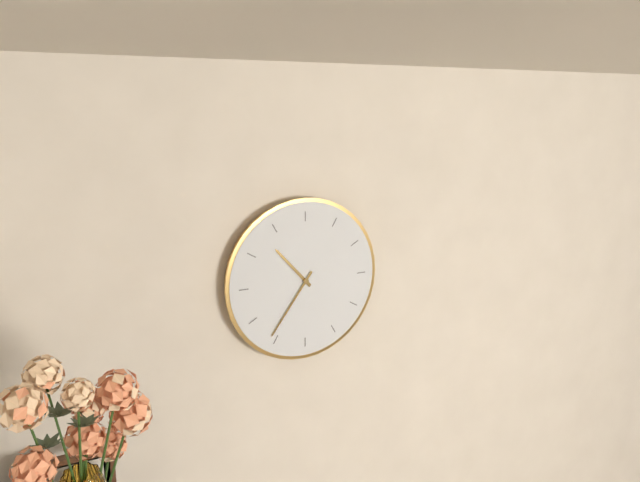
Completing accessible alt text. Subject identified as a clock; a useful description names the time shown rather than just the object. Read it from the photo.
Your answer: 10:36
